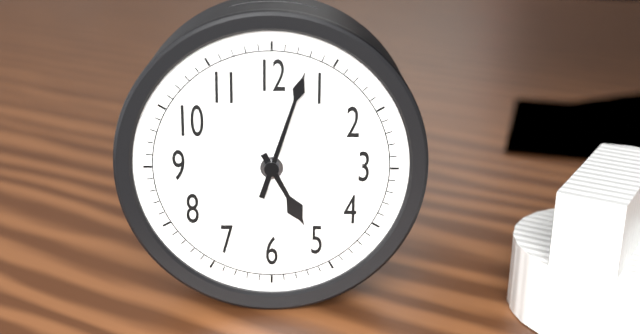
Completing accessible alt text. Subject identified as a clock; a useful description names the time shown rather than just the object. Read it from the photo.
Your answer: 5:03
